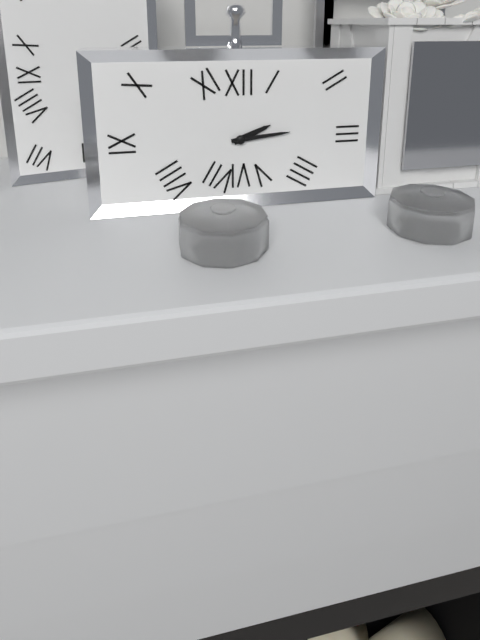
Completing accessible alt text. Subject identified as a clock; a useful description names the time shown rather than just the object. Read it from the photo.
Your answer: 2:14
